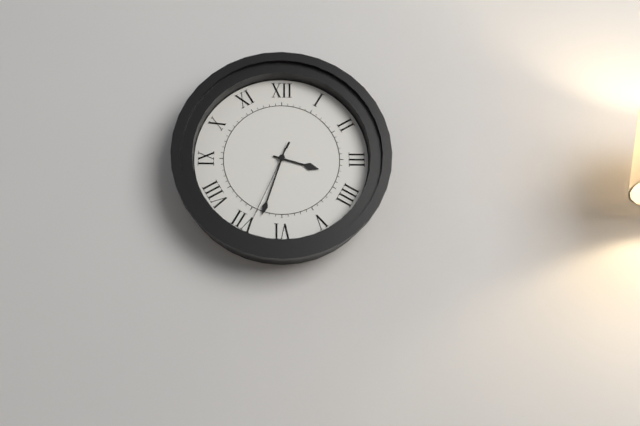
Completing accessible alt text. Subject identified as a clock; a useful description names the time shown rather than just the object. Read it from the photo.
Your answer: 3:33:34
